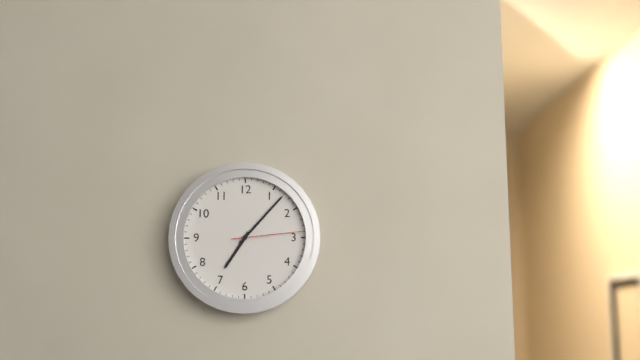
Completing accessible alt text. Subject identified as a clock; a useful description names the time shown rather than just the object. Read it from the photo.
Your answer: 7:07:14
